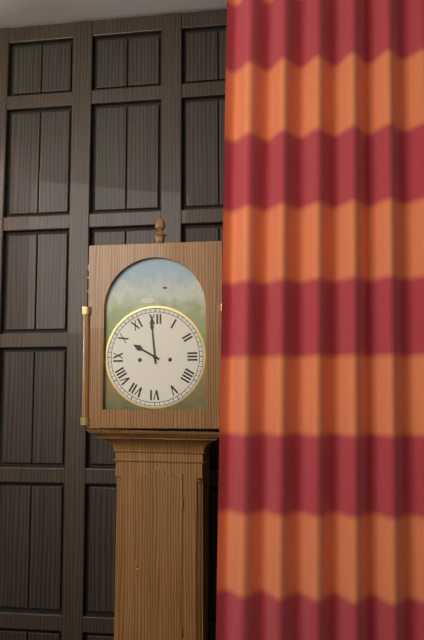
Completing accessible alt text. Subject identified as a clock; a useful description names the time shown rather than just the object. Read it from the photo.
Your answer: 9:59
